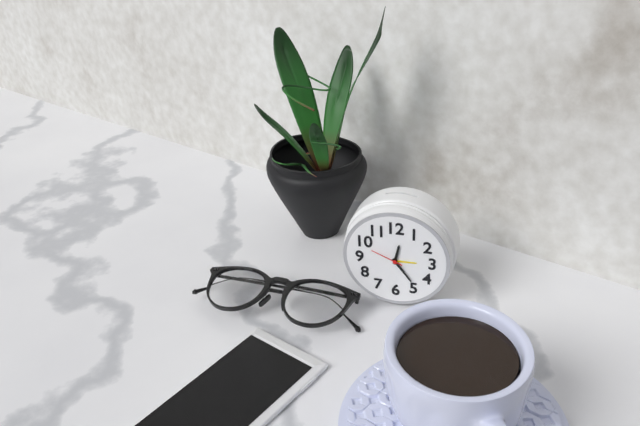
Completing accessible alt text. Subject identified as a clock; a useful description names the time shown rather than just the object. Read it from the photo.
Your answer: 12:24
